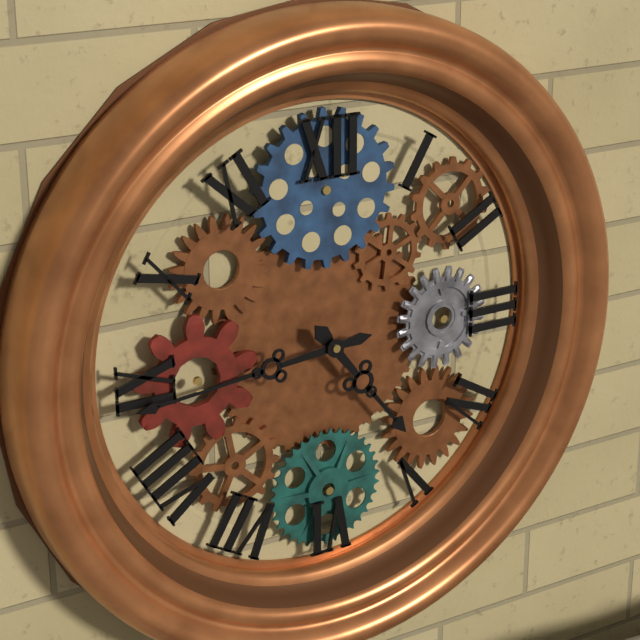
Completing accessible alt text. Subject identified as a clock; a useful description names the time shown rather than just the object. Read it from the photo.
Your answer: 4:44
